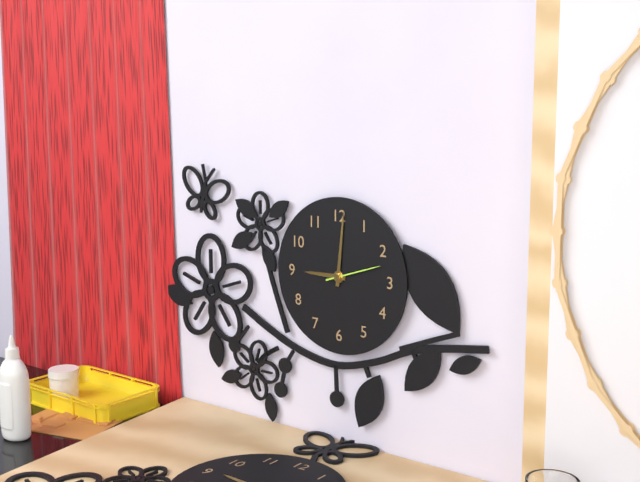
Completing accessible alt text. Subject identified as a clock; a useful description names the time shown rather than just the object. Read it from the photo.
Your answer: 9:01:12
